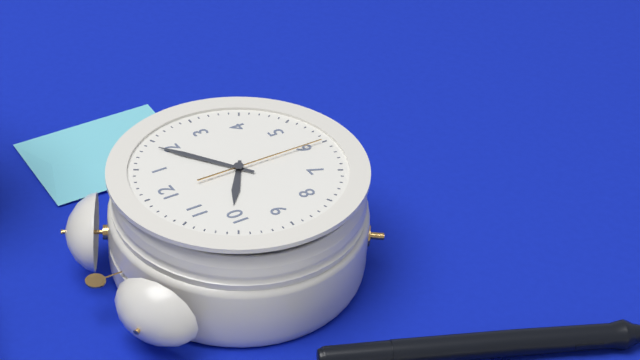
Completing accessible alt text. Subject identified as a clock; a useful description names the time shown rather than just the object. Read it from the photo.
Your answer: 10:09:30
